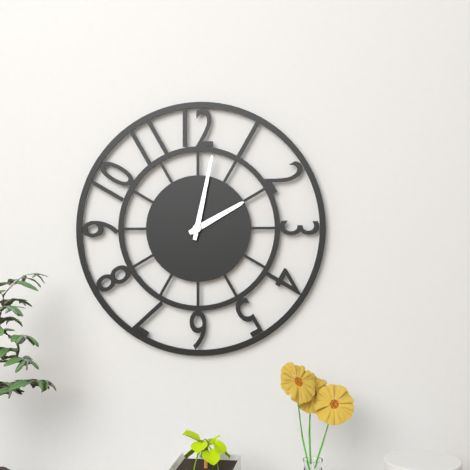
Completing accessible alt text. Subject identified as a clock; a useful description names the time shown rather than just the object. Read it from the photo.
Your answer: 2:02
